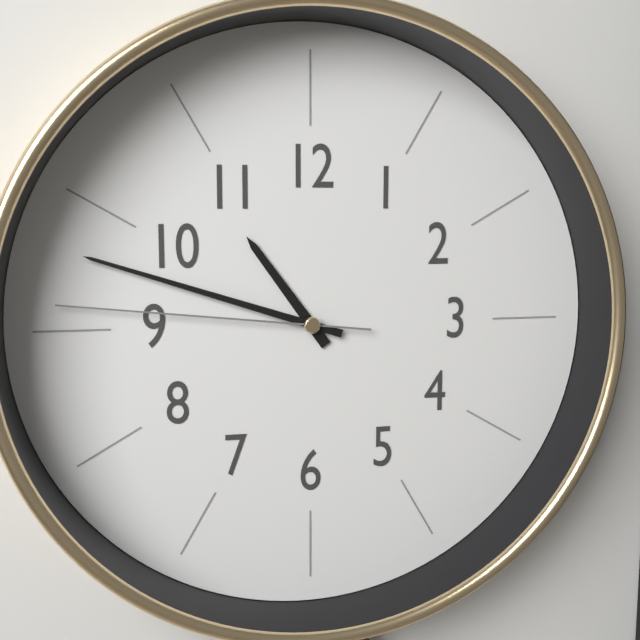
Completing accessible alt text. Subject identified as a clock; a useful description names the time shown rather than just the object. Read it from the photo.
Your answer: 10:48:46
